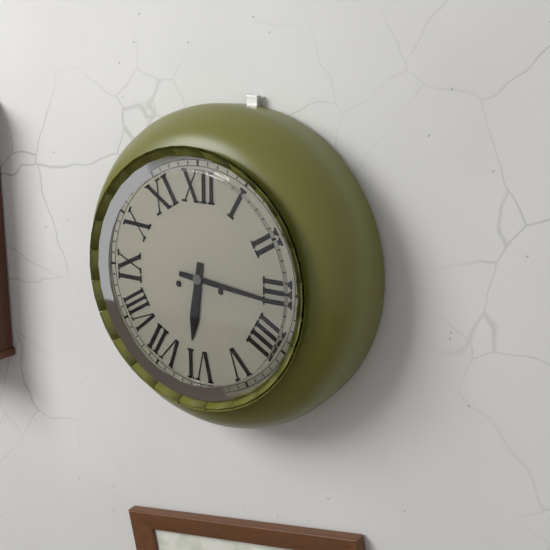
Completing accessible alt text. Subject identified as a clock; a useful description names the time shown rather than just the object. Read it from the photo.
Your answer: 6:16
